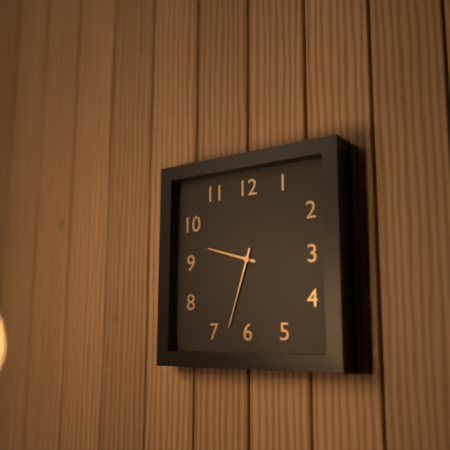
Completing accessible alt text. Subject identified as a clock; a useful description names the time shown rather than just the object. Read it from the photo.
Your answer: 9:33
